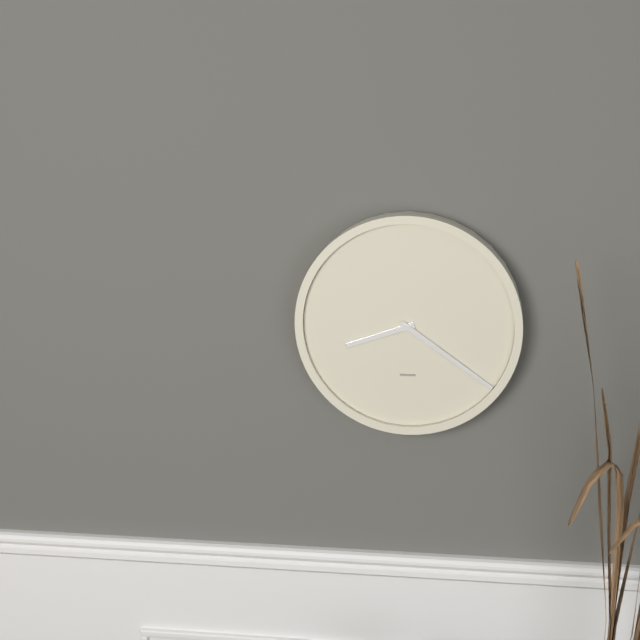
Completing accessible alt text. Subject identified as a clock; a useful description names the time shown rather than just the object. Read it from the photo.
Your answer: 8:21
